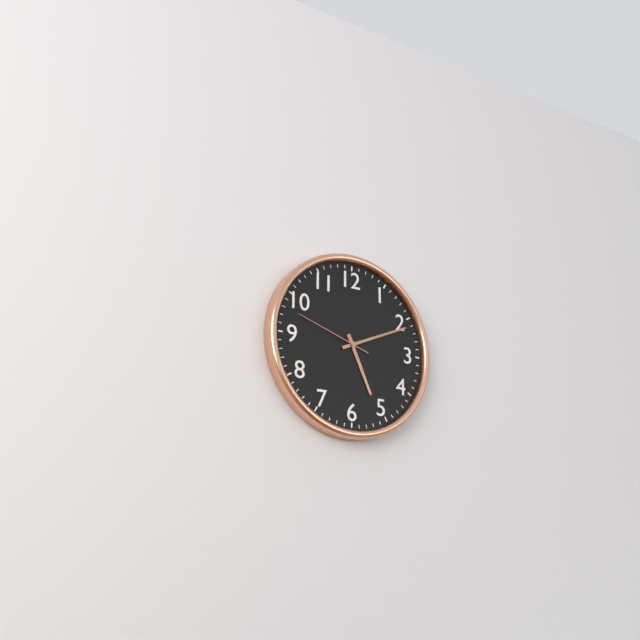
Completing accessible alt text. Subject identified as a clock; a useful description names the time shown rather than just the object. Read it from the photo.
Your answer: 5:11:48
